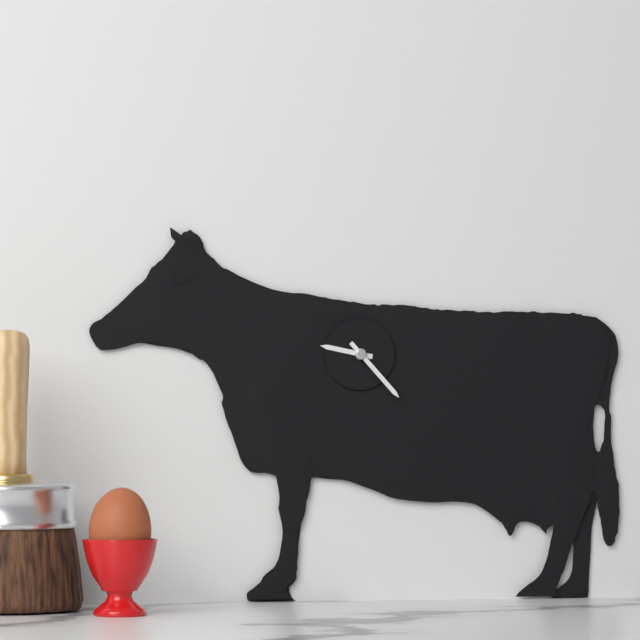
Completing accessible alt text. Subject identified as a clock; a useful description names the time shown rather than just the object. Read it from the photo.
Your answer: 9:23
